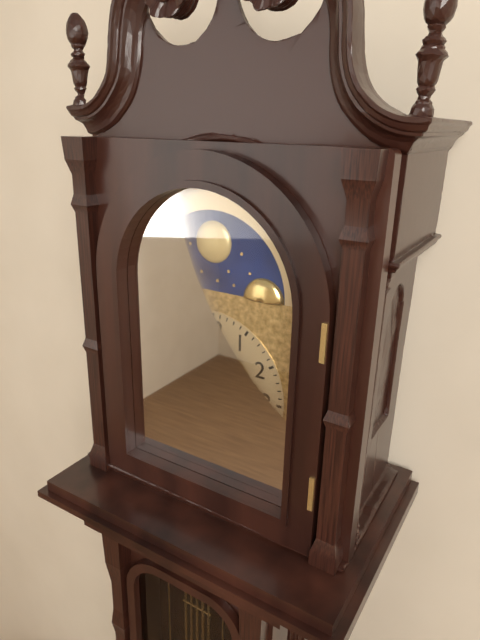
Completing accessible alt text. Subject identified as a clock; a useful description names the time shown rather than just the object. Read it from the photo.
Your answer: 1:20
